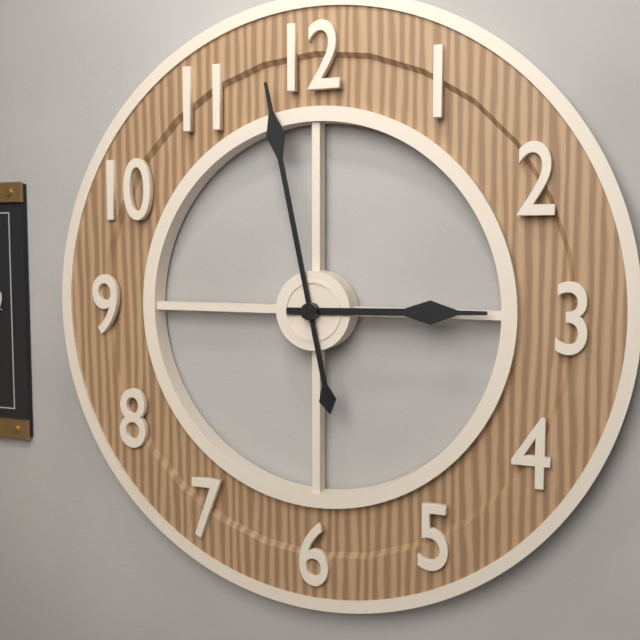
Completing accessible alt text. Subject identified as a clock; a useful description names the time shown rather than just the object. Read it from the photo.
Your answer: 2:58
